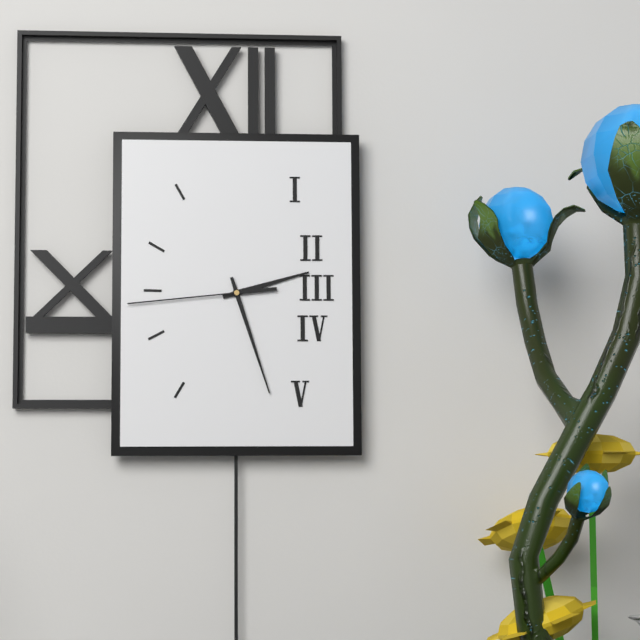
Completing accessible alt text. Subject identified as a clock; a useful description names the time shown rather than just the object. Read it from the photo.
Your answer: 2:27:44
